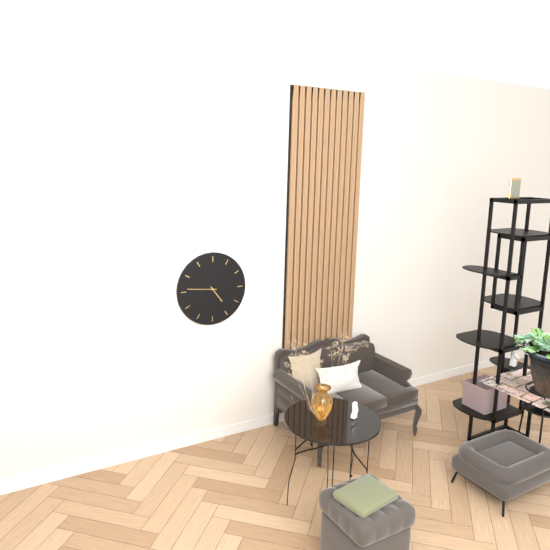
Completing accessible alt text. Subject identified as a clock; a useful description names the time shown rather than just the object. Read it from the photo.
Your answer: 4:46
